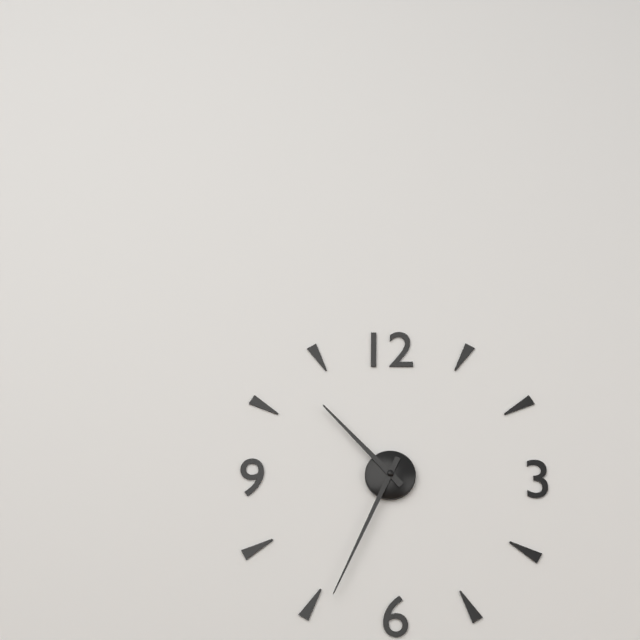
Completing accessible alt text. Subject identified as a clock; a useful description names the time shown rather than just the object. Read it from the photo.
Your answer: 10:34
